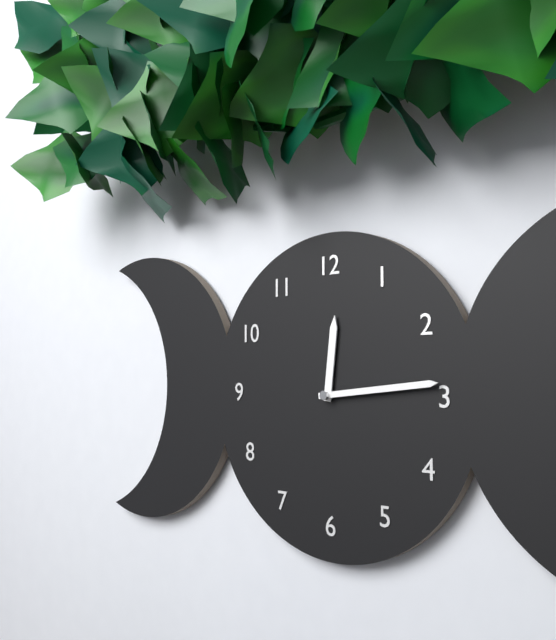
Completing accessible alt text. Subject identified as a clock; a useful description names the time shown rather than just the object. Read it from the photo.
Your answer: 12:14
